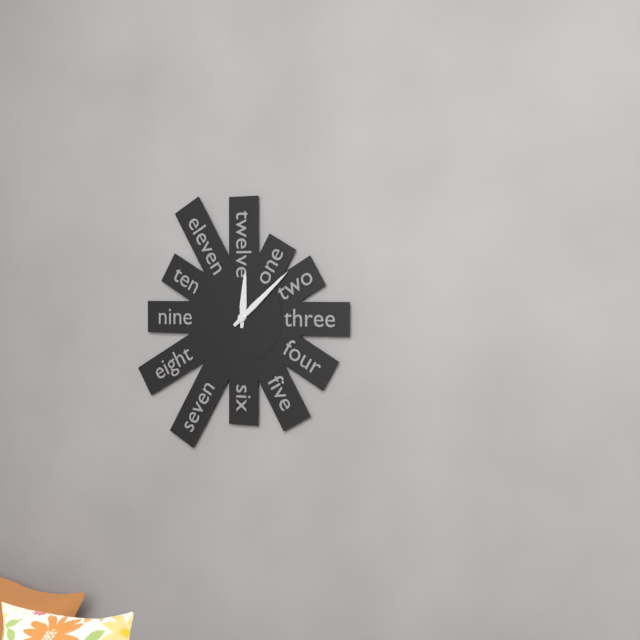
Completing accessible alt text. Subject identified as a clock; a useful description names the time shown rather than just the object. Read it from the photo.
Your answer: 12:08
